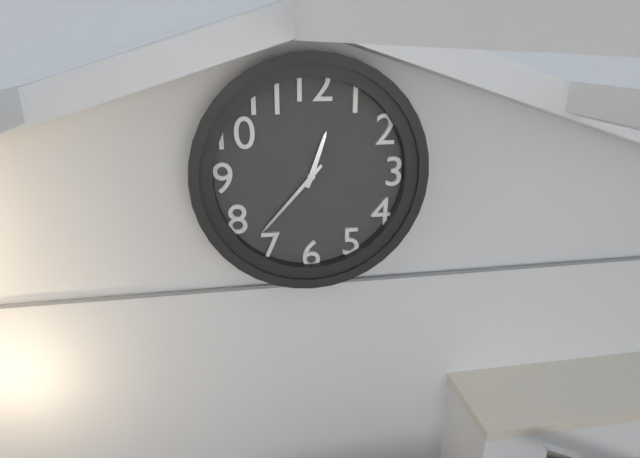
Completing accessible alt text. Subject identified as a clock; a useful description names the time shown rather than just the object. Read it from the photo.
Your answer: 12:37
